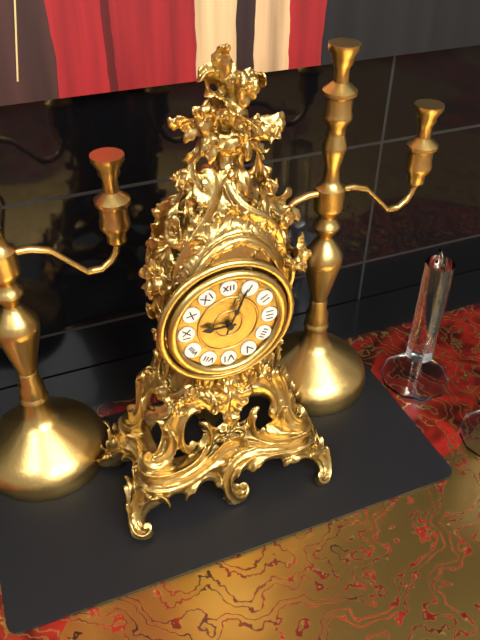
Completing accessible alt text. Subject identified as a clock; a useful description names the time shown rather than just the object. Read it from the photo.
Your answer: 9:04
